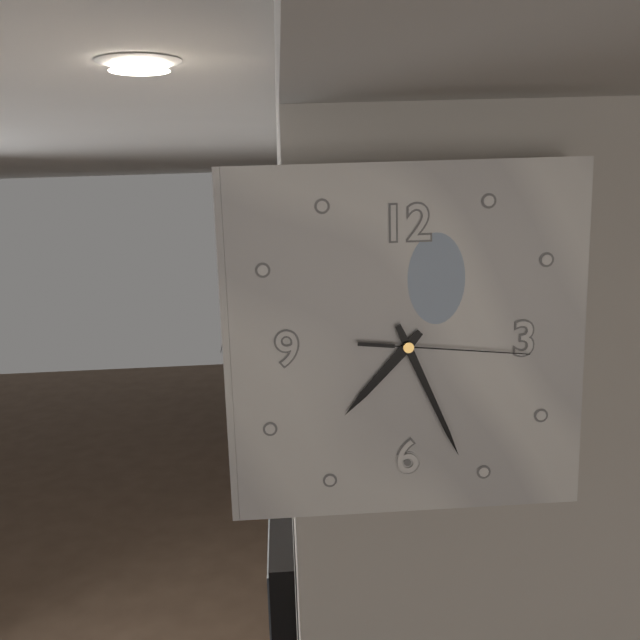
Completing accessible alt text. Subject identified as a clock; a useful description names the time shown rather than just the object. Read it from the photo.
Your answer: 7:26:16
